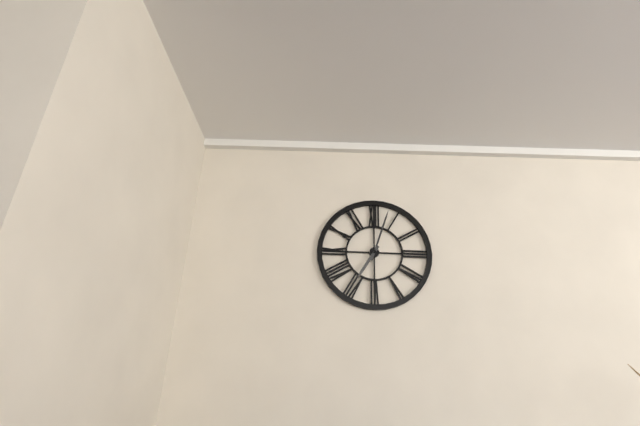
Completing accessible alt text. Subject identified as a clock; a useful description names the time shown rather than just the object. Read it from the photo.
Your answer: 7:03
